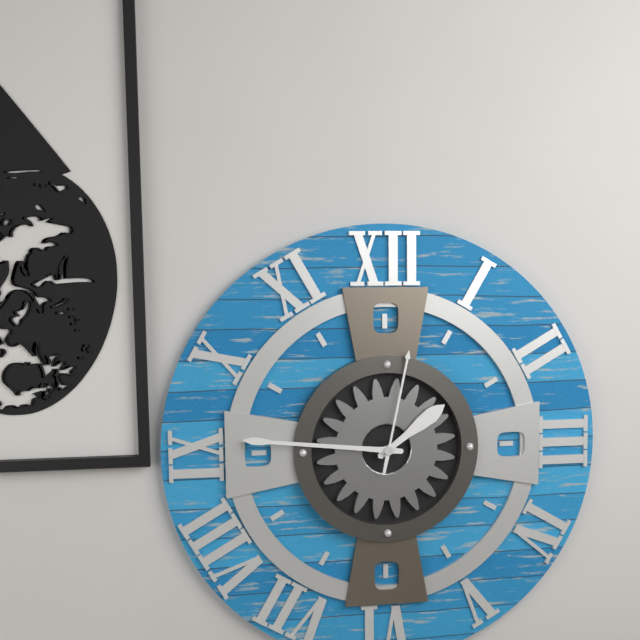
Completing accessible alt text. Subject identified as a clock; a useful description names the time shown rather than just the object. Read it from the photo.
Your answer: 1:46:02
